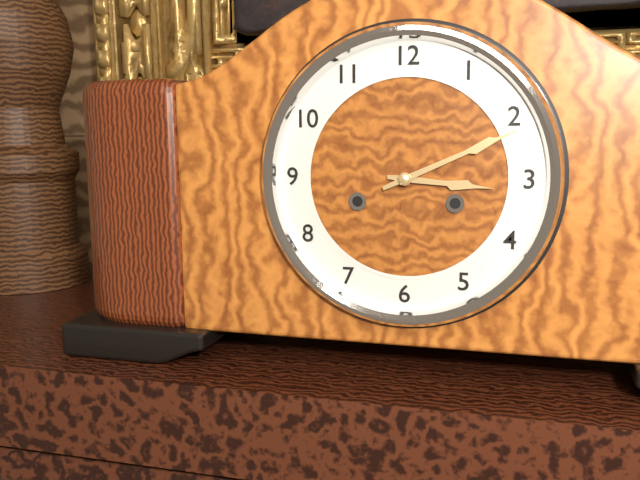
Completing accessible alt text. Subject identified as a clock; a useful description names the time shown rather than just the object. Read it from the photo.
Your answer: 3:11
